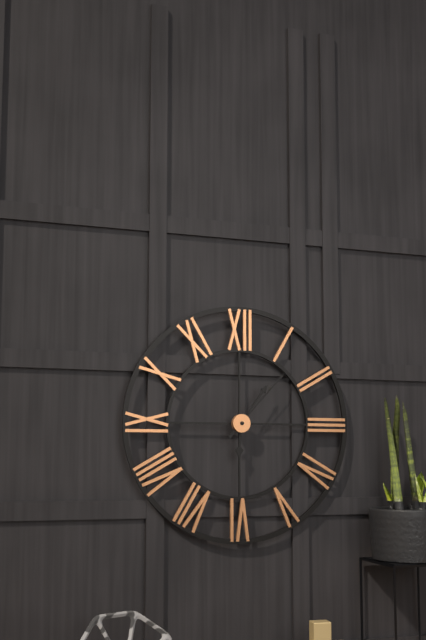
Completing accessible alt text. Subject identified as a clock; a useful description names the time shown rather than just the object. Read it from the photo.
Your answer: 6:06:07
